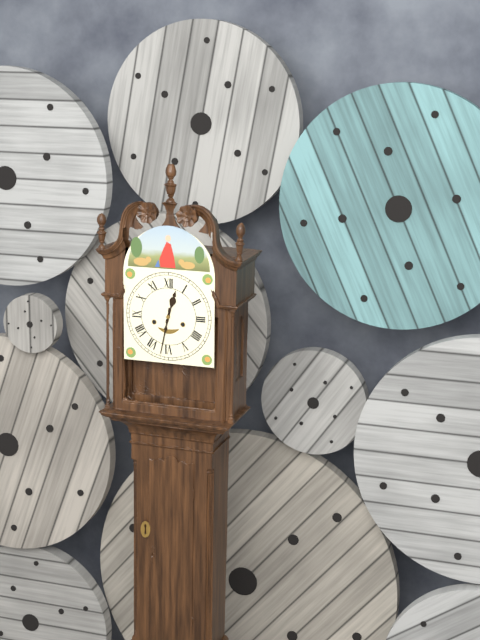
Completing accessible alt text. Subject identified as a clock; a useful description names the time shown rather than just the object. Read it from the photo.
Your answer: 12:32
